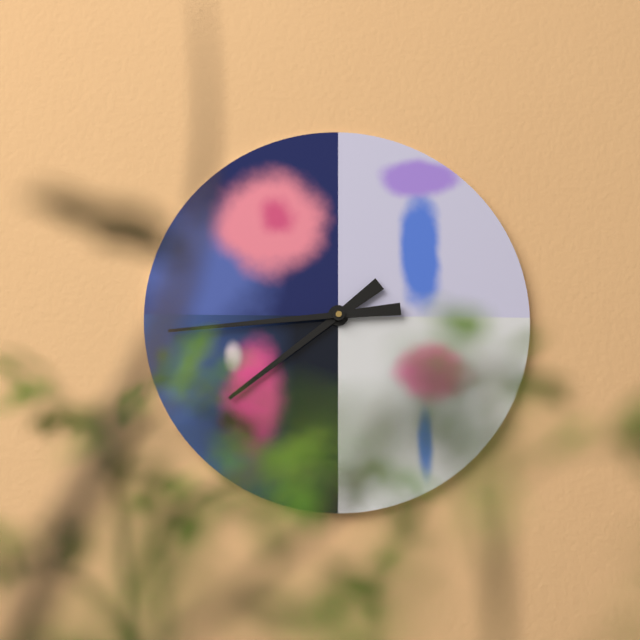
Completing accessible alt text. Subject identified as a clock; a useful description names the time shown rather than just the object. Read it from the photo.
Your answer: 7:44
